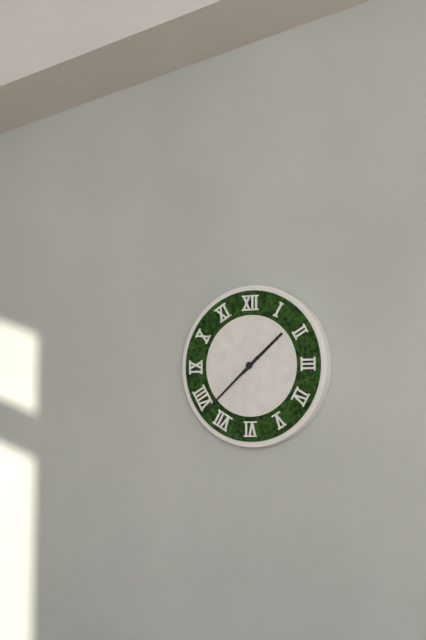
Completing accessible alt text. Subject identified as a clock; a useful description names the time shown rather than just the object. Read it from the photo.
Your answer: 1:38
